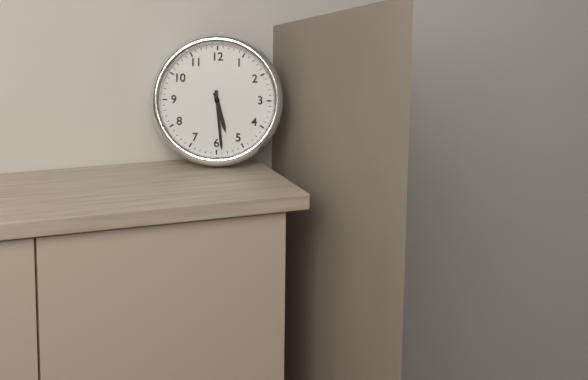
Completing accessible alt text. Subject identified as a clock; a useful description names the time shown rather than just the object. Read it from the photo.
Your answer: 5:29
